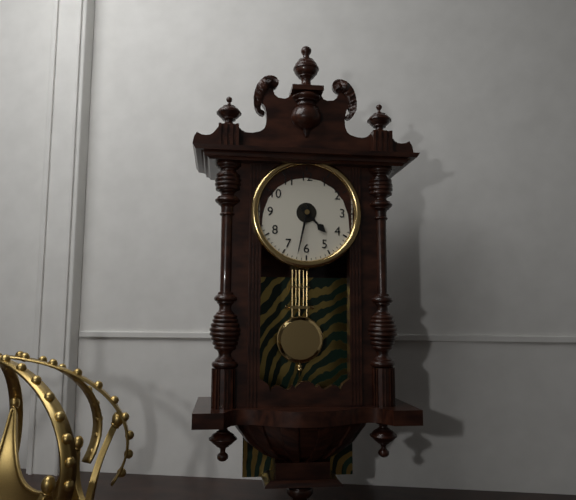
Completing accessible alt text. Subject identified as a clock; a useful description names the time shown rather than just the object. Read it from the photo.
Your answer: 4:32
